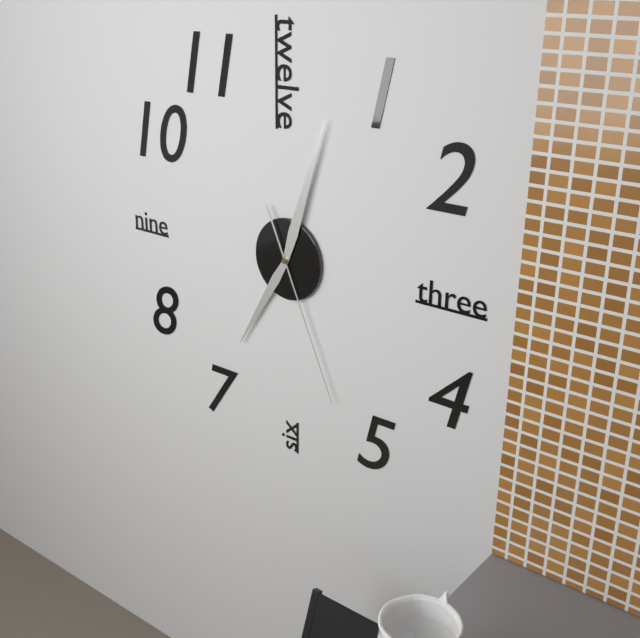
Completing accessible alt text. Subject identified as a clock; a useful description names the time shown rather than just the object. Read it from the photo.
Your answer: 7:03:26
